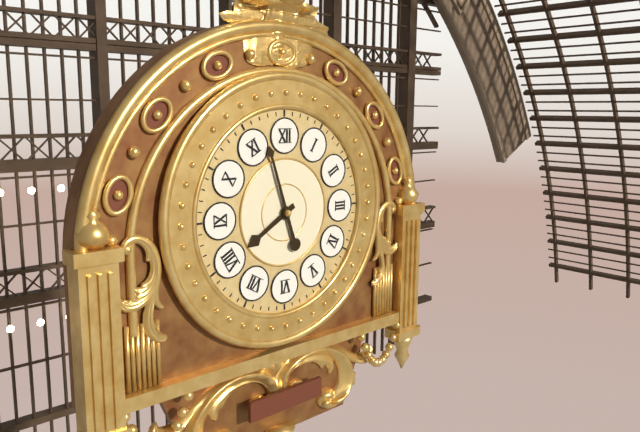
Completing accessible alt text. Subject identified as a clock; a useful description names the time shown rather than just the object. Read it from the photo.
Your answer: 7:57
